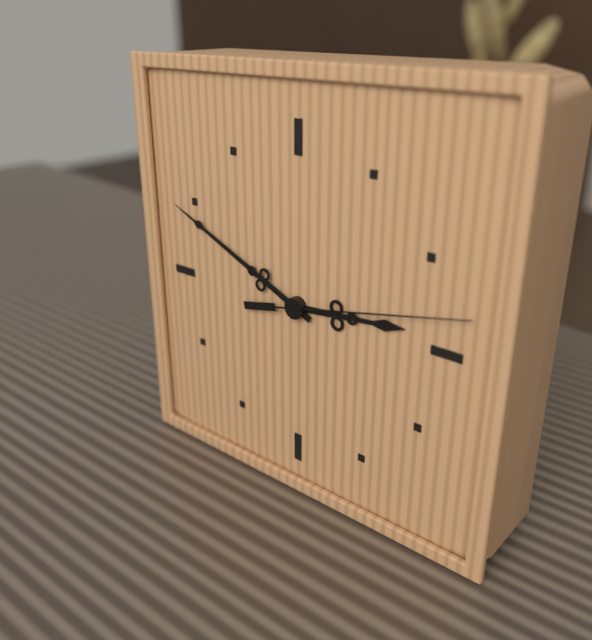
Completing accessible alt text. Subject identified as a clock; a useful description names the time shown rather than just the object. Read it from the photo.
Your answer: 2:49:13
